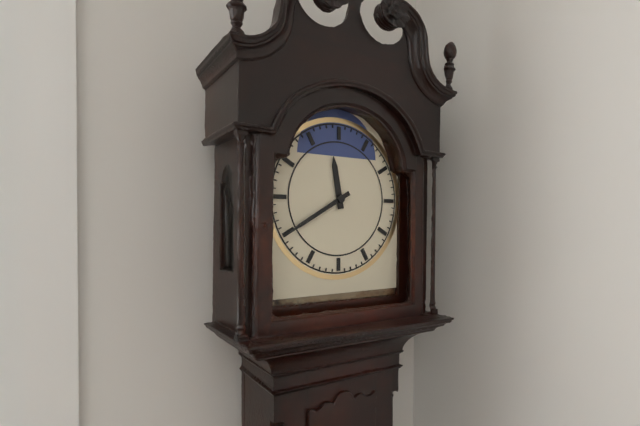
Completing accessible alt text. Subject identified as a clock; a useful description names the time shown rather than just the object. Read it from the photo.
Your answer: 11:40
